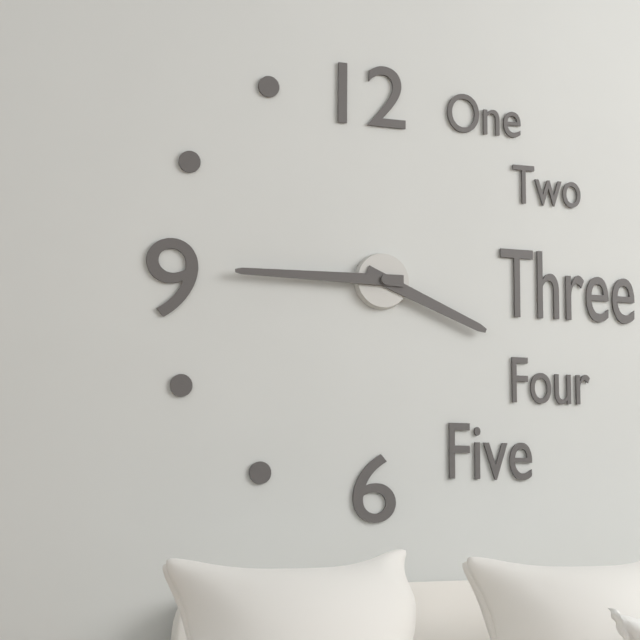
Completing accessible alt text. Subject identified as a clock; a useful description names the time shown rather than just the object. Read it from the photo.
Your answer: 3:45
